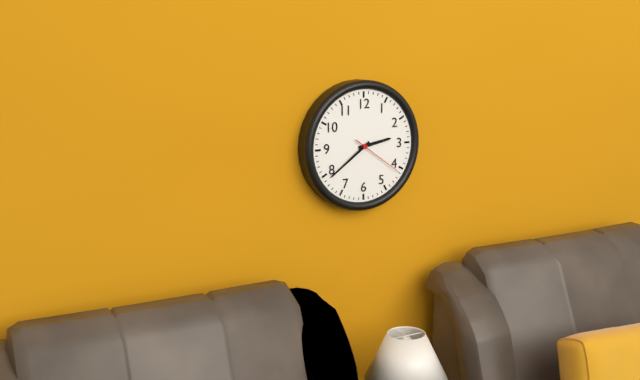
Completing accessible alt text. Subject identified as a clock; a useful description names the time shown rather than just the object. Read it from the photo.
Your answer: 2:39:21
